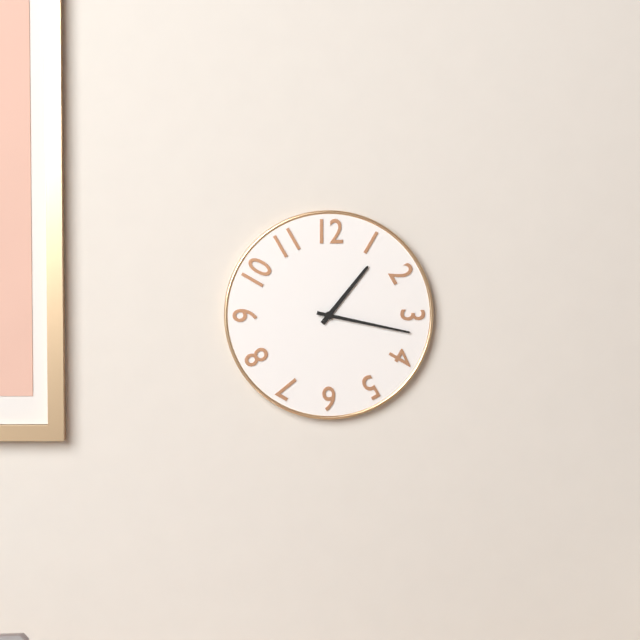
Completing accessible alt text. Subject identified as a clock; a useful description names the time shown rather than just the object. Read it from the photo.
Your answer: 1:17
